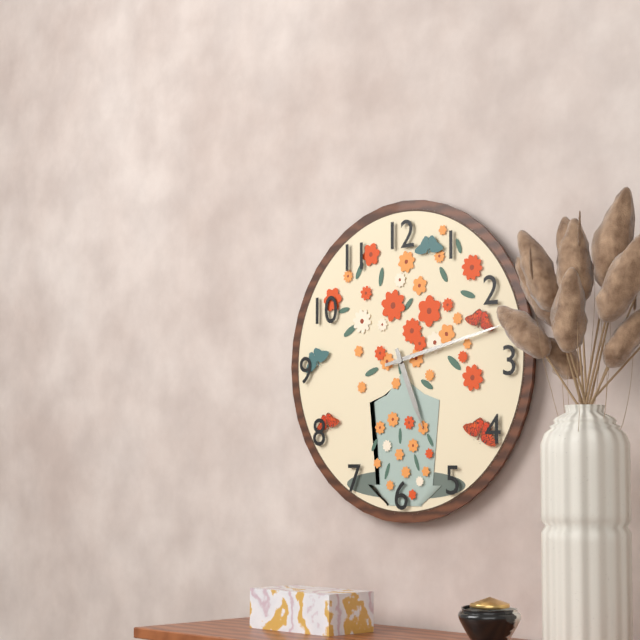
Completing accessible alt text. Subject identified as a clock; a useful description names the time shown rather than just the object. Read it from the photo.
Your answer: 5:13
